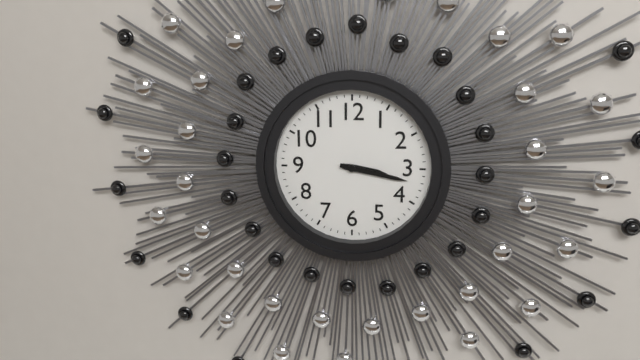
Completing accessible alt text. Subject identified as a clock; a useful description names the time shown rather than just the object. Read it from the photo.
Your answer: 3:17
